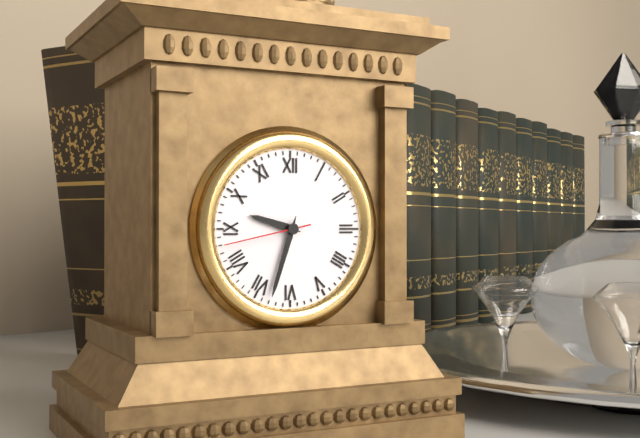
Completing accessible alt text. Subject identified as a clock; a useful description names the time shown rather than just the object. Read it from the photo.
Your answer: 9:33:43
